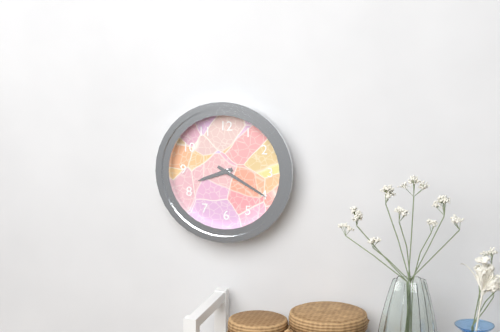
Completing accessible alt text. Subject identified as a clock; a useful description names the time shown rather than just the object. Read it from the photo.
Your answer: 8:20
